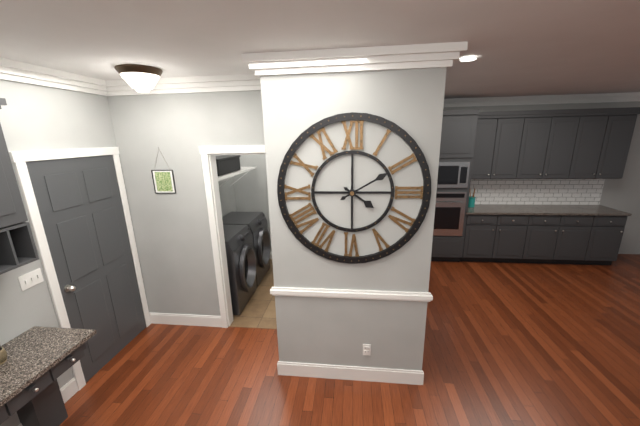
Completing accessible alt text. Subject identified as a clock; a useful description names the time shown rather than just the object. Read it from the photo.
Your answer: 4:10
